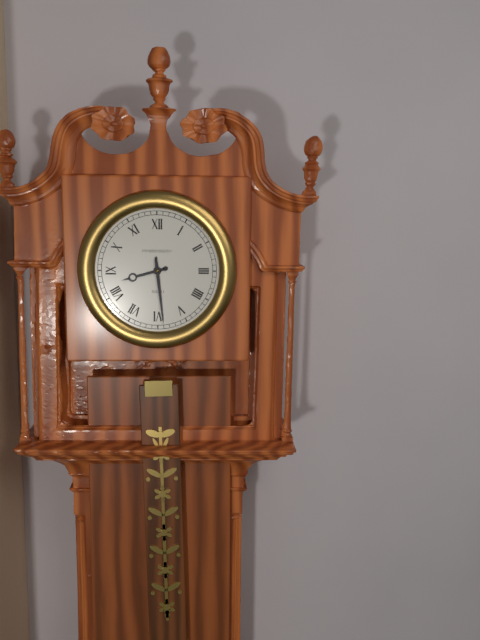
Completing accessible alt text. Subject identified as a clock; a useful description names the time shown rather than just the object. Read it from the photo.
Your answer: 8:29
